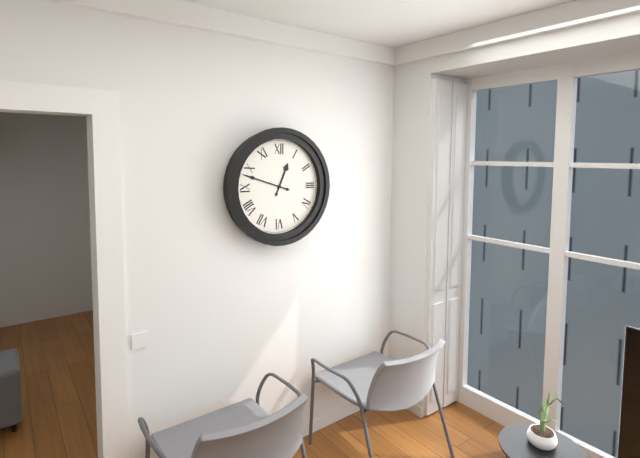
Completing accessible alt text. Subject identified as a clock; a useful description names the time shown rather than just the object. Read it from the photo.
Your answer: 12:48
